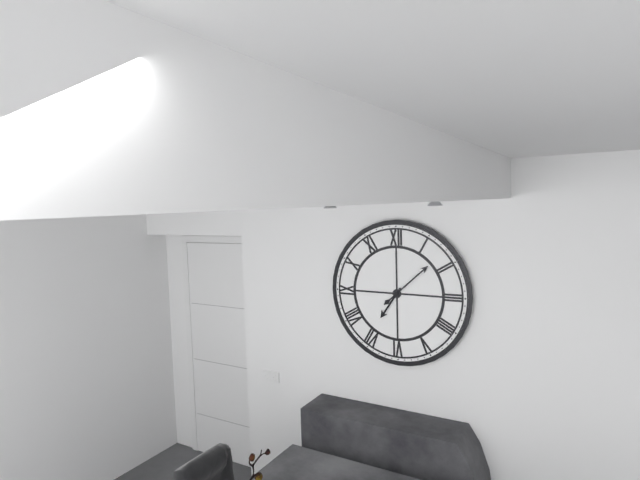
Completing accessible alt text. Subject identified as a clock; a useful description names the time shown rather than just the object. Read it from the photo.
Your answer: 7:08
